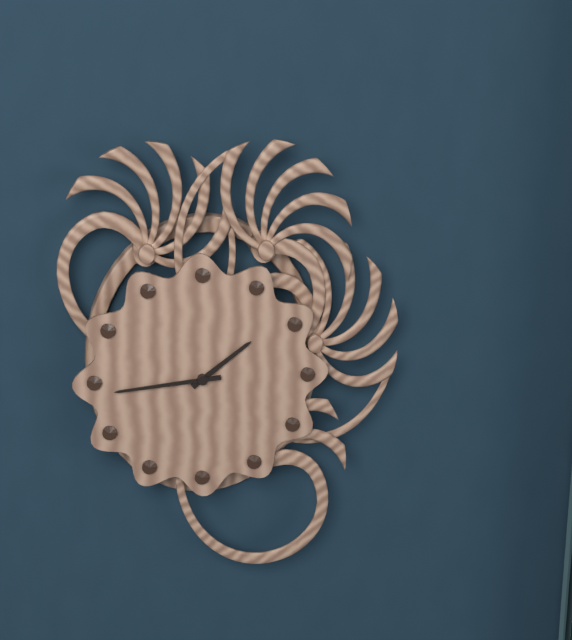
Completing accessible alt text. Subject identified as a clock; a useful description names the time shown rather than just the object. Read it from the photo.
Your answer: 1:44
